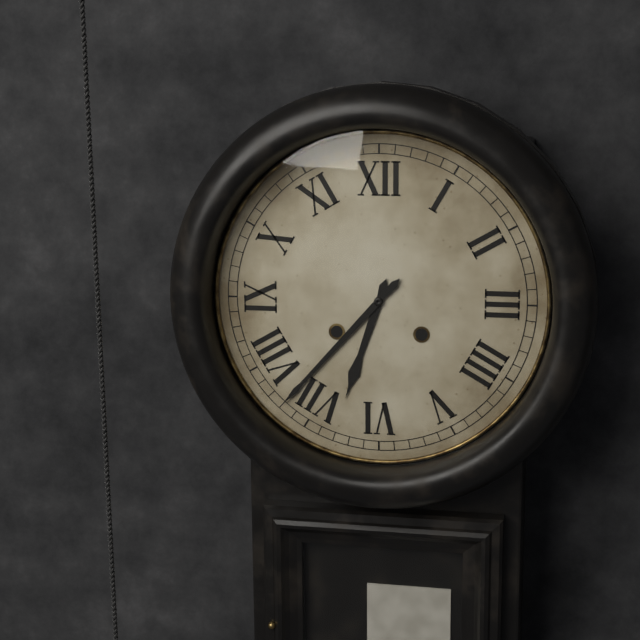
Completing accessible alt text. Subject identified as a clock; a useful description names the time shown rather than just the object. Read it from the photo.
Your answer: 6:37
